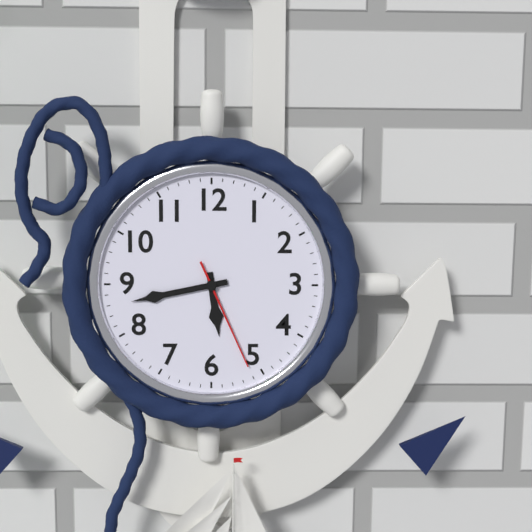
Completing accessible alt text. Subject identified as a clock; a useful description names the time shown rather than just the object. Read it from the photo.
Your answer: 5:43:26
